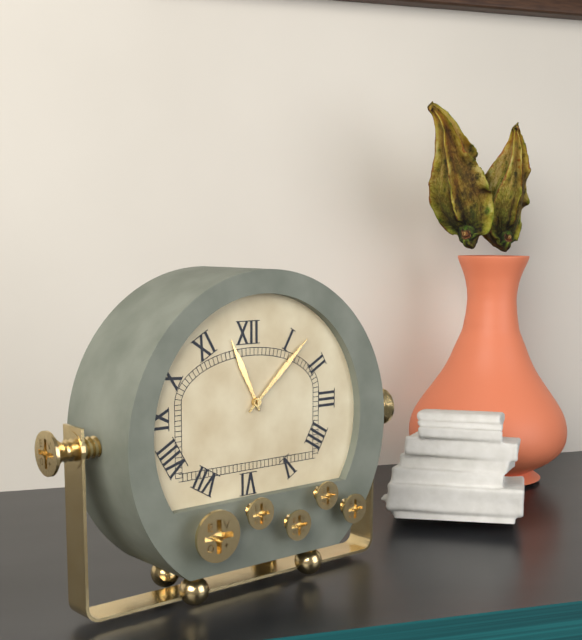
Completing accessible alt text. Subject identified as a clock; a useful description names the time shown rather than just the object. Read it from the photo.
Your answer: 11:08
